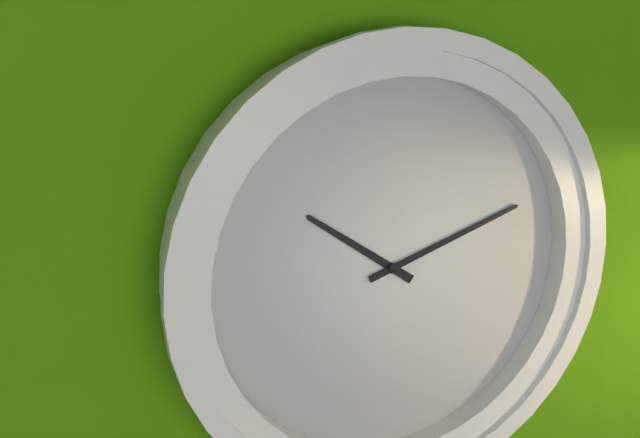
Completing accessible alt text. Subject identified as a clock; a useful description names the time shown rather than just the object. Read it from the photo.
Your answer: 10:12
